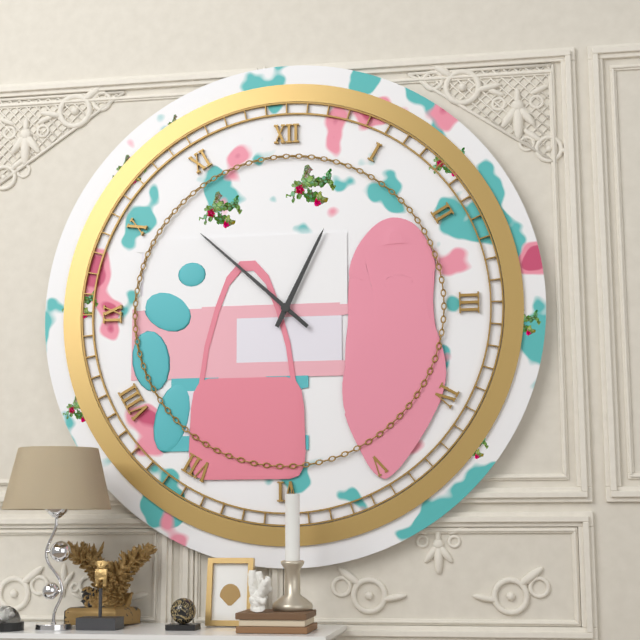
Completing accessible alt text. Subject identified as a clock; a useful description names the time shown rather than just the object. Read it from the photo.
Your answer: 12:52
